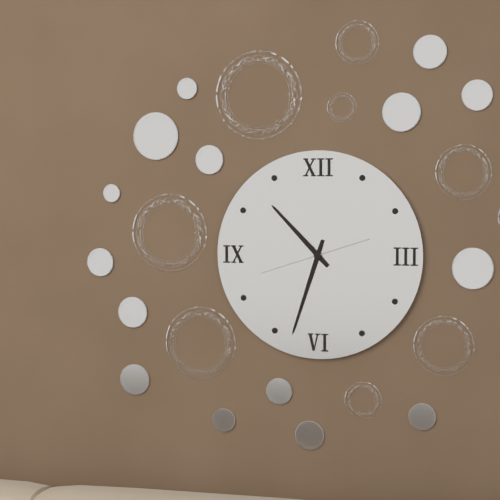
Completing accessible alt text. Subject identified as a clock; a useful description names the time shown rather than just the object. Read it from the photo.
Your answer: 10:33:42
